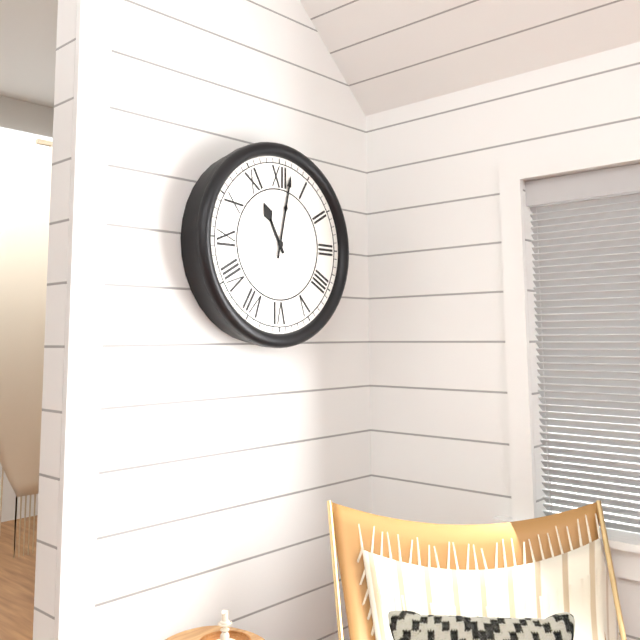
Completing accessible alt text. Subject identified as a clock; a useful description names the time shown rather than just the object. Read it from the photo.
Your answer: 11:02
